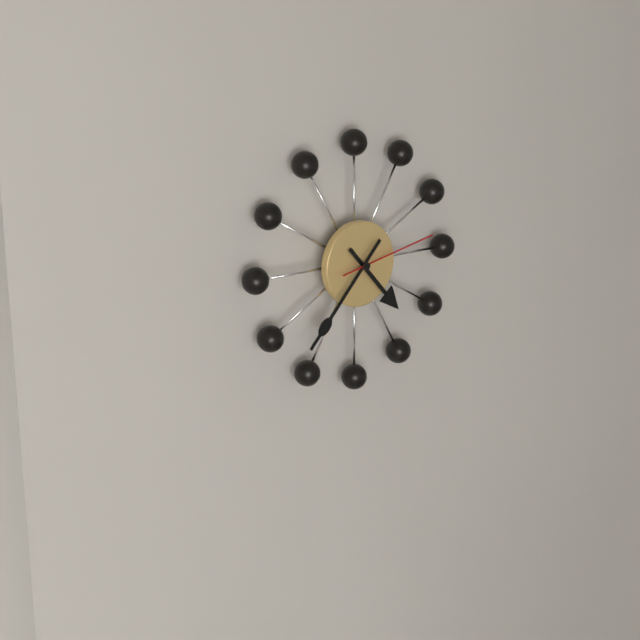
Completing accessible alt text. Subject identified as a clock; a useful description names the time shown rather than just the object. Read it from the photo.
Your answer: 4:37:13
